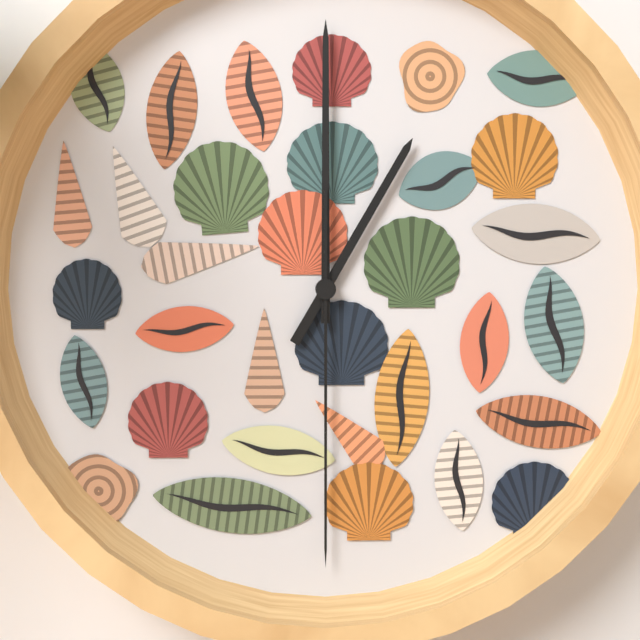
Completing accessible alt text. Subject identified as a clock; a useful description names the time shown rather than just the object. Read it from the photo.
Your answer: 1:00:30
